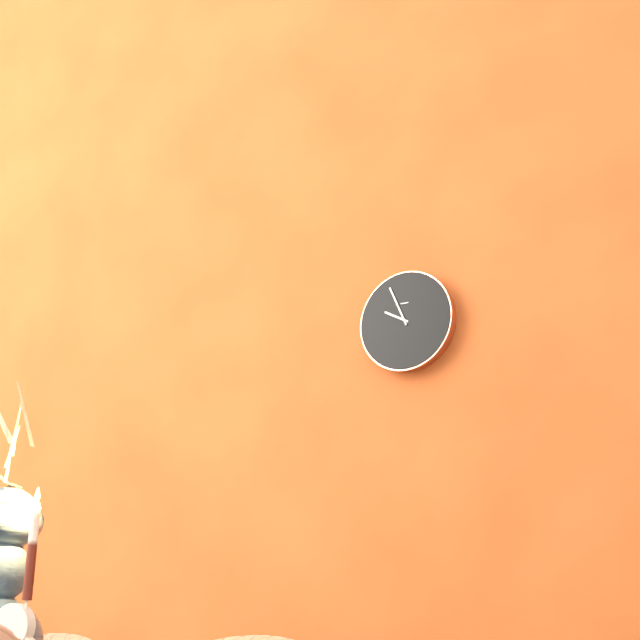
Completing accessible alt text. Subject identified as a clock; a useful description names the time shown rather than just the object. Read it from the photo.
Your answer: 9:56
